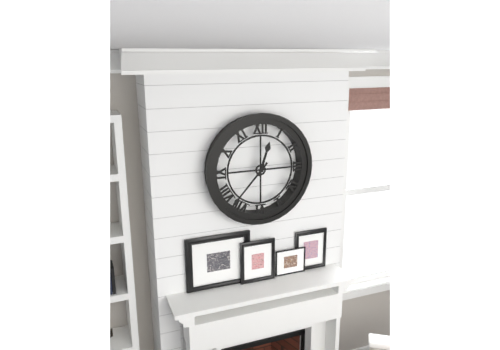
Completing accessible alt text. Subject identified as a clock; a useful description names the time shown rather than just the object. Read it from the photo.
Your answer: 12:37
